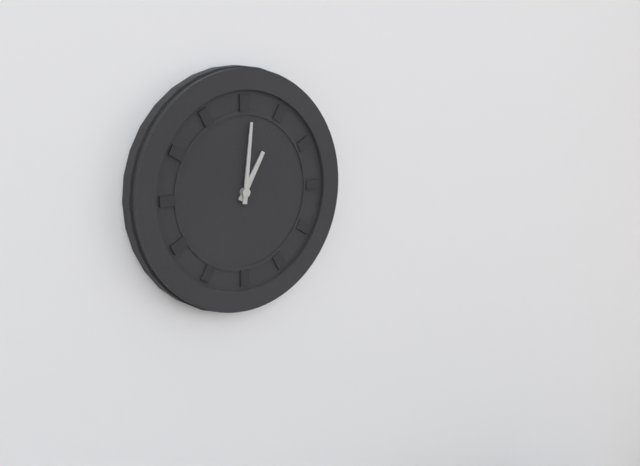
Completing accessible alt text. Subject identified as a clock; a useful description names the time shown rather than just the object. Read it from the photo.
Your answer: 1:01
